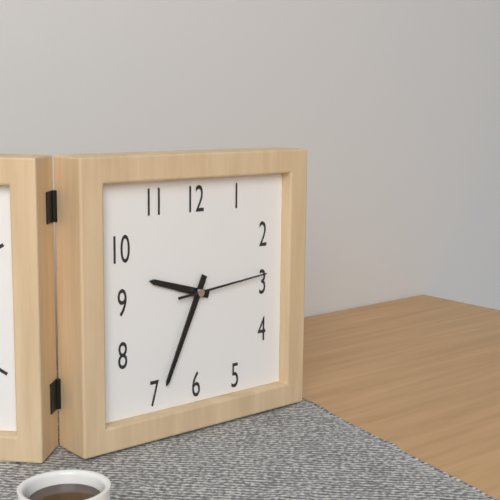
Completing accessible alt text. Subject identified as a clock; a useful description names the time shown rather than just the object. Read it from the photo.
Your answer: 9:34:14
